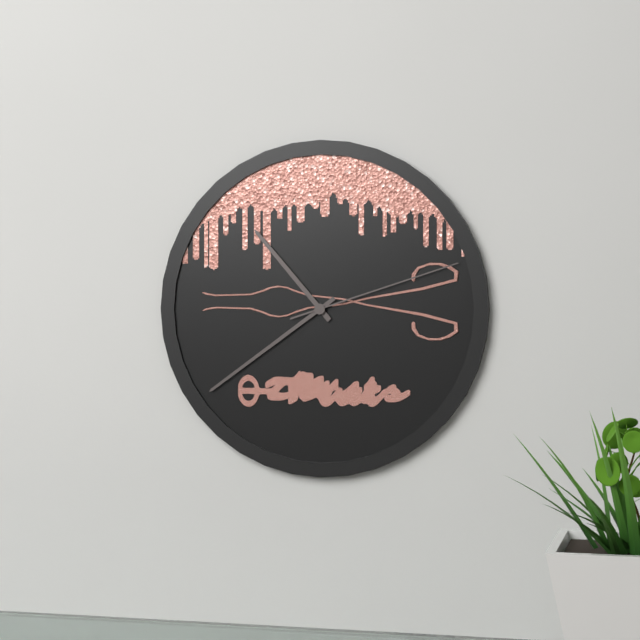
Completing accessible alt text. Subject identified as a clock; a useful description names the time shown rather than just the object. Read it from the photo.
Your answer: 10:39:12
